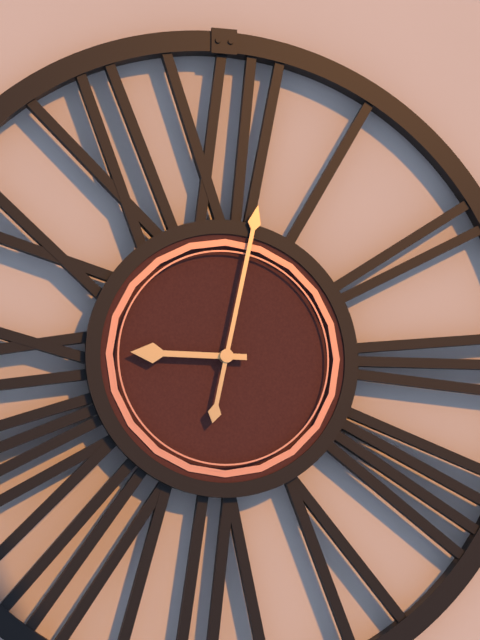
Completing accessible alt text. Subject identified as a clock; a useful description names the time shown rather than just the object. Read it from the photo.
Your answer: 9:02
